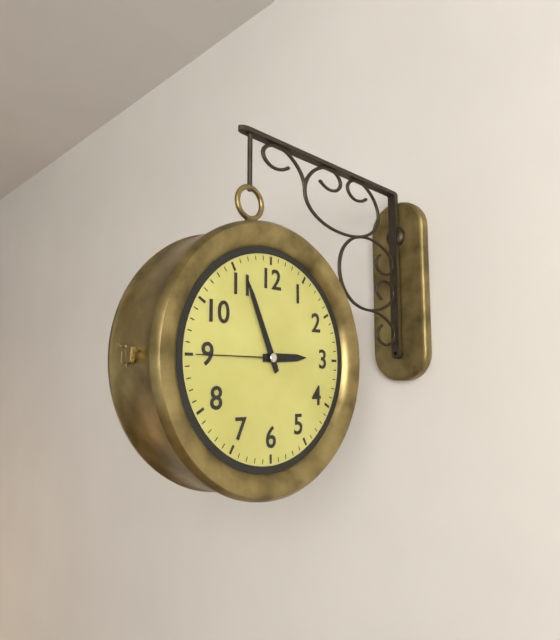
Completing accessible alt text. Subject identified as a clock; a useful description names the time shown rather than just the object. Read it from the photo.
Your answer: 2:56:45
